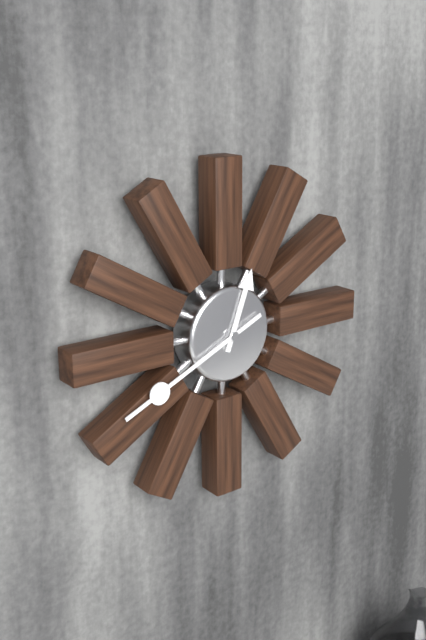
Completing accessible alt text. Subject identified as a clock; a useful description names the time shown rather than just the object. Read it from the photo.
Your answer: 12:41
